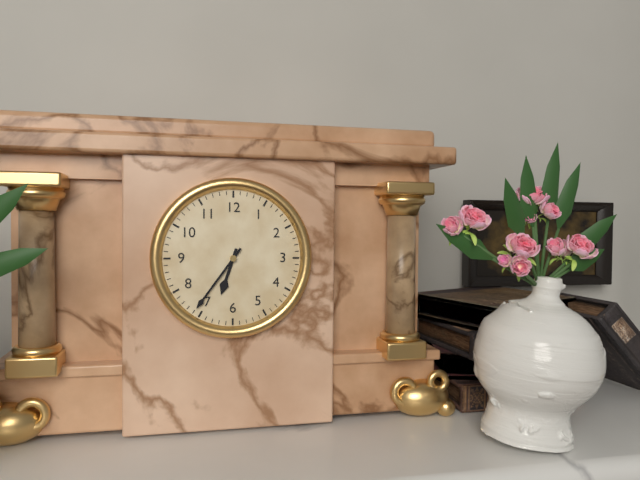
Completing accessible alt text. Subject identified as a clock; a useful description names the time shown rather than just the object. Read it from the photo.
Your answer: 6:36
